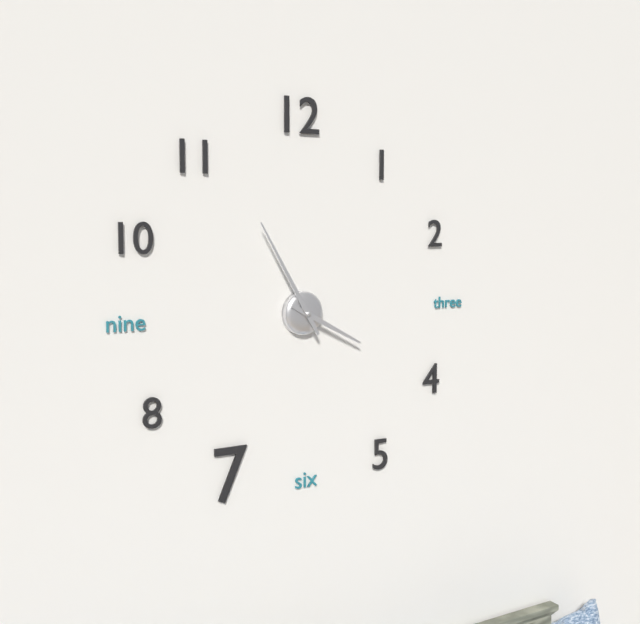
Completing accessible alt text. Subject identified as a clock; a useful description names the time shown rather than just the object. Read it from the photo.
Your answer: 3:55
